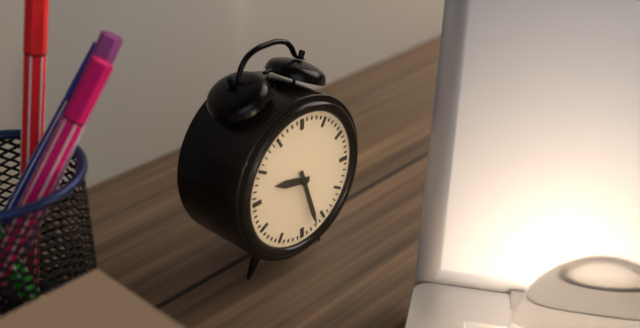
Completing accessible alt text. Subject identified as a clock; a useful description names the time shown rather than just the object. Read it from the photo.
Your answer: 9:27
